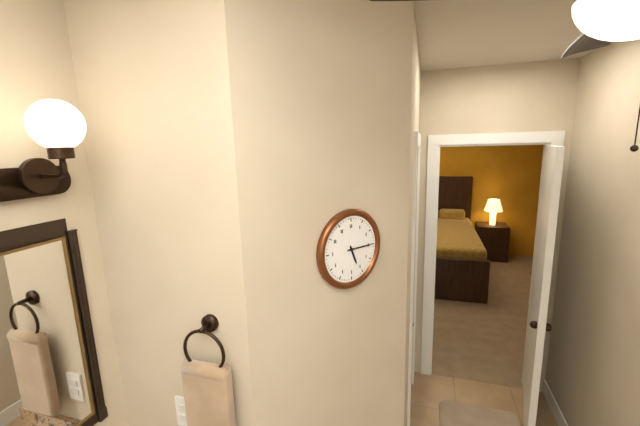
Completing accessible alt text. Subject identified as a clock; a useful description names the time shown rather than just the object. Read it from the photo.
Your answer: 5:15
